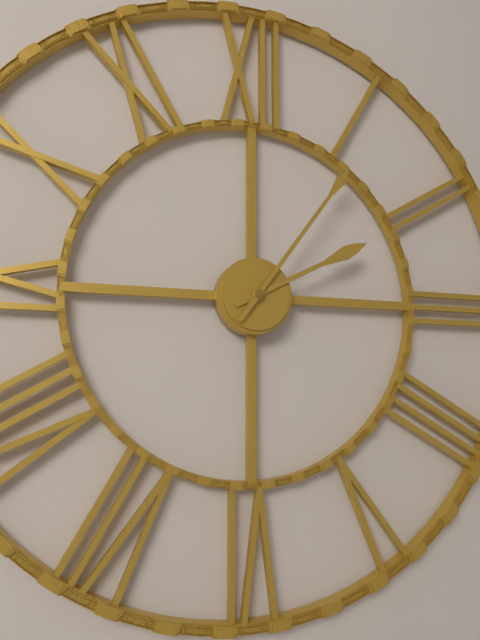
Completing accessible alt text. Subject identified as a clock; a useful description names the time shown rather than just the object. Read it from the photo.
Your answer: 2:06
